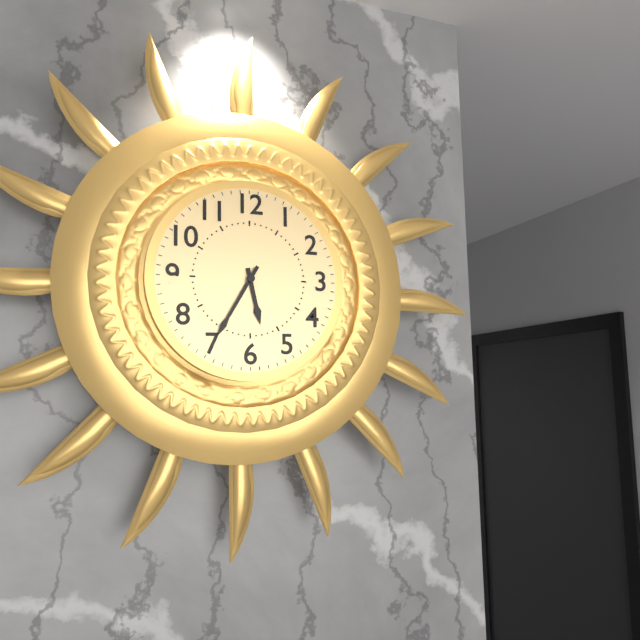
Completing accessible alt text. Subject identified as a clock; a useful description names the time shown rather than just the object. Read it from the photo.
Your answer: 5:35
